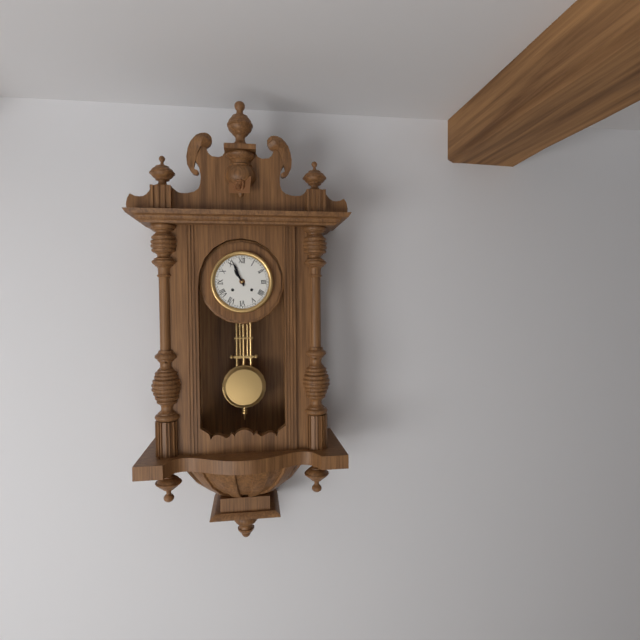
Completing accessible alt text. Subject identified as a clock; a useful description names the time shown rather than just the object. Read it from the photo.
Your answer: 10:56
